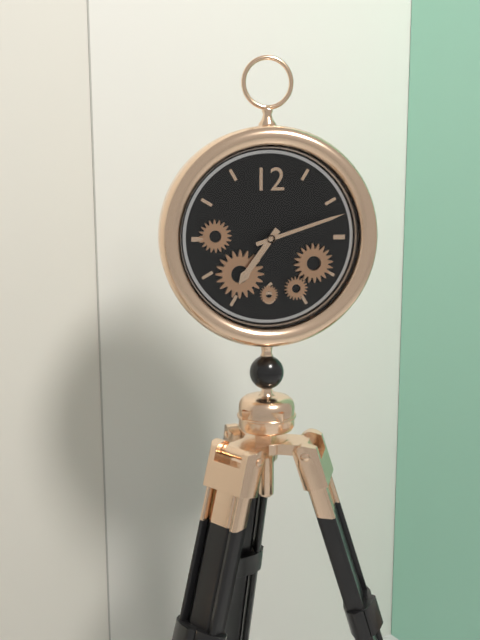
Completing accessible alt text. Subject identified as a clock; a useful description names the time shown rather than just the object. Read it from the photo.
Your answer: 7:12
